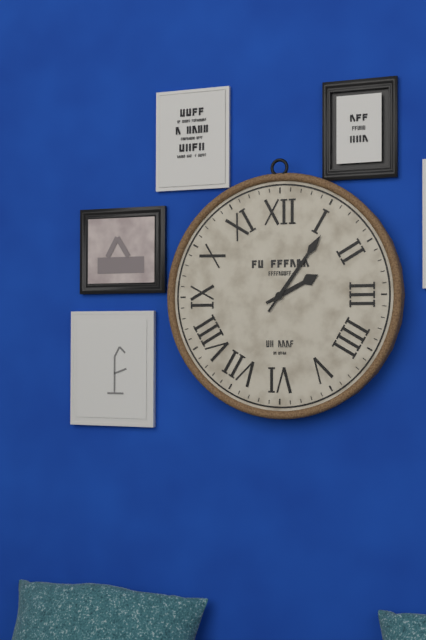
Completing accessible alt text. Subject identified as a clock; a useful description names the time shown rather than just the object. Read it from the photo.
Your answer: 2:06
